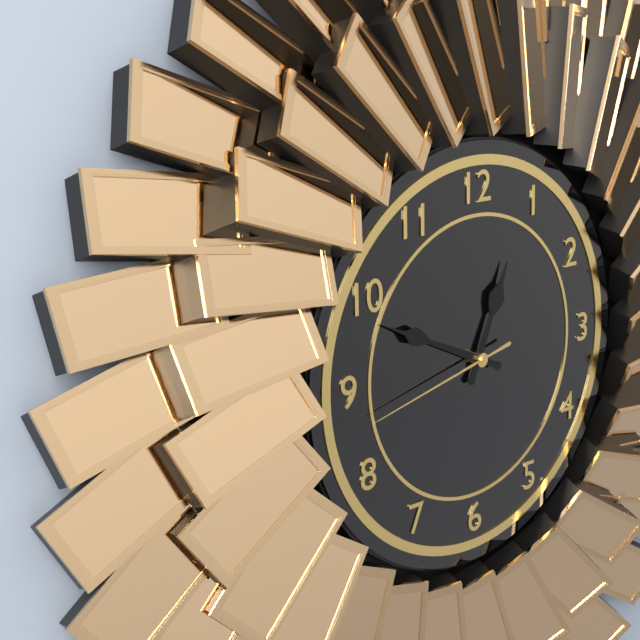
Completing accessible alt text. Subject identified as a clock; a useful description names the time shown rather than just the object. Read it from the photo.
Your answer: 12:49:43
